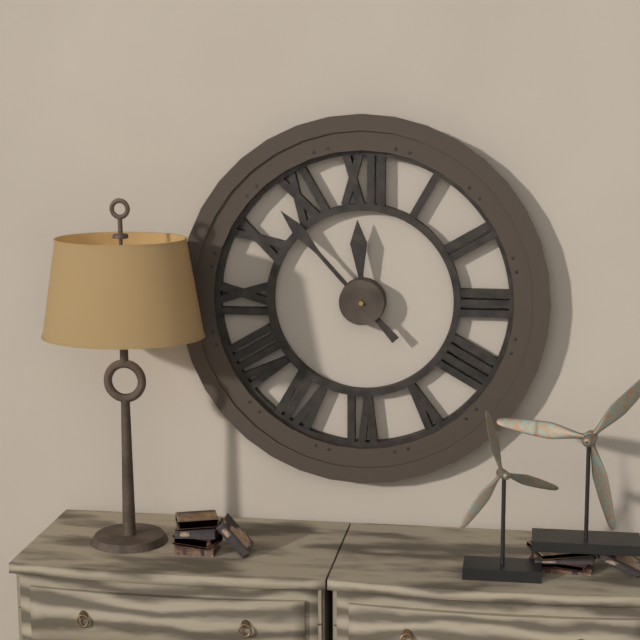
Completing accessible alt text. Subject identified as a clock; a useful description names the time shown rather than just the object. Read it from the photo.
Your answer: 11:53
